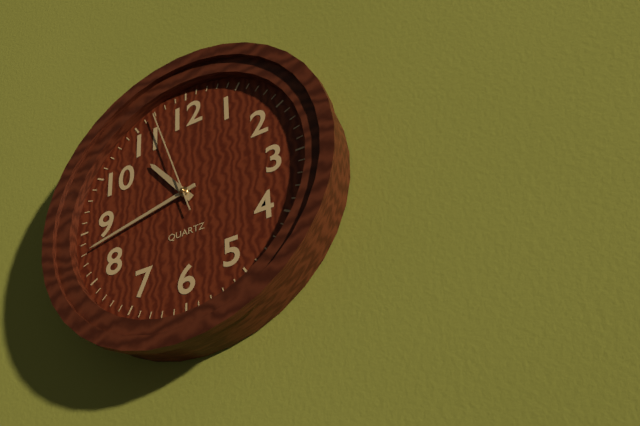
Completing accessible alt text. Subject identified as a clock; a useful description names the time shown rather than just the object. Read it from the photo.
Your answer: 10:43:57
